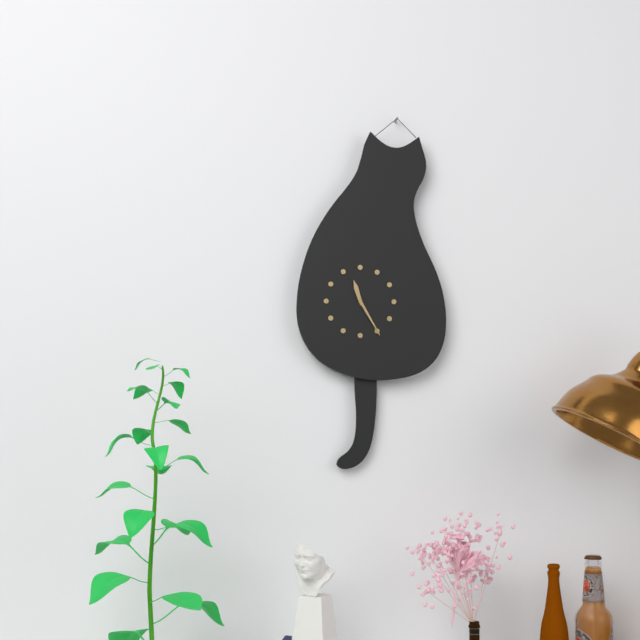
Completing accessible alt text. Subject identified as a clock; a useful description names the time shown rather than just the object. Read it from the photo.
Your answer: 11:25
